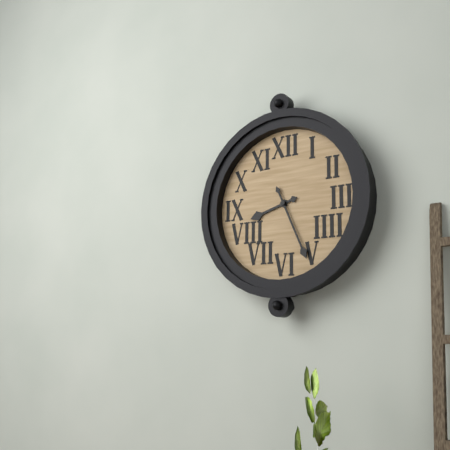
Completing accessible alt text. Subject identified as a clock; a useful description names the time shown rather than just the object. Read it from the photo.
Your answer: 8:26
